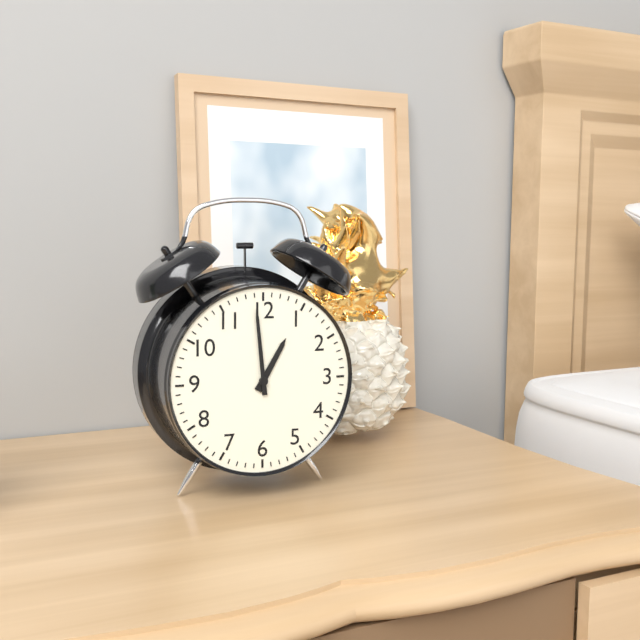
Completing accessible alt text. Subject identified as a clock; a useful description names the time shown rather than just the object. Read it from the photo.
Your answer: 12:59
